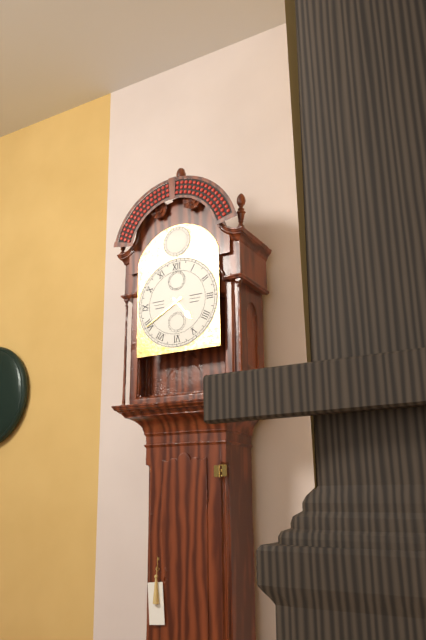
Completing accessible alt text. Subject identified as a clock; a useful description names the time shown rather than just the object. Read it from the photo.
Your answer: 4:40
